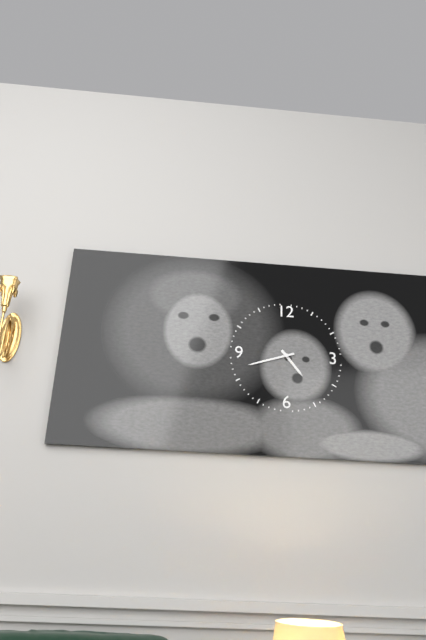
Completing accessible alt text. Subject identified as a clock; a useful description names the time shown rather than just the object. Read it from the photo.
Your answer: 4:42
